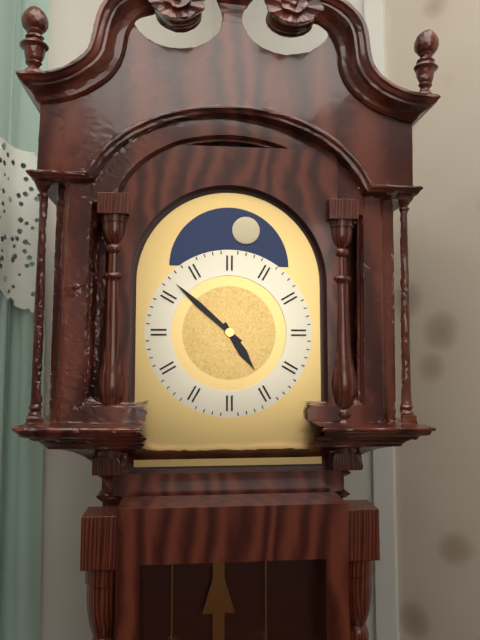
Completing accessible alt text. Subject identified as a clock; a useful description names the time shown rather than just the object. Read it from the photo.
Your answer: 4:52
